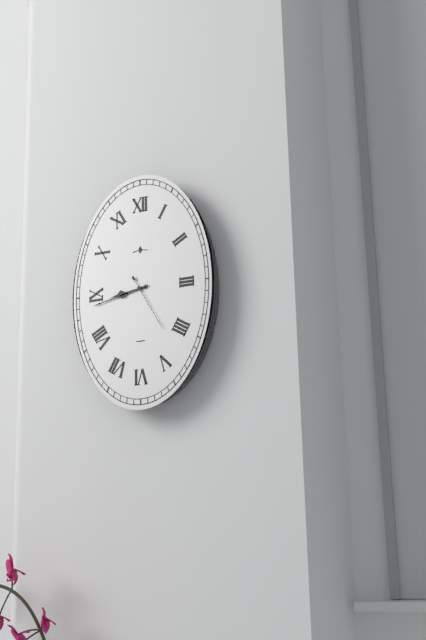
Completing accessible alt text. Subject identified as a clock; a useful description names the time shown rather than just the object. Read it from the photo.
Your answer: 8:43:25
